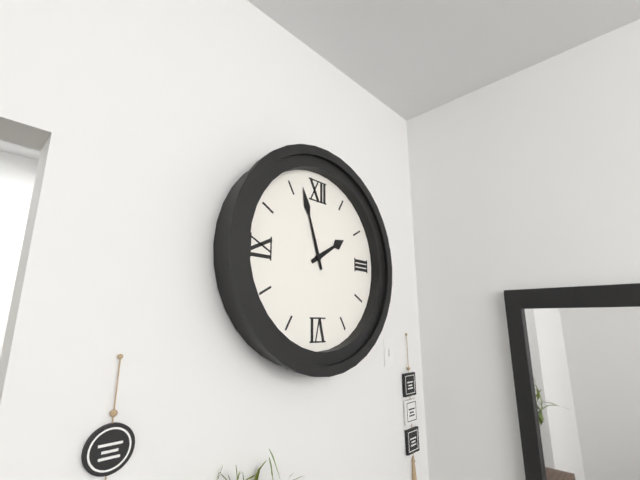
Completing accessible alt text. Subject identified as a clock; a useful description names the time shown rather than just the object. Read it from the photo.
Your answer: 1:57
